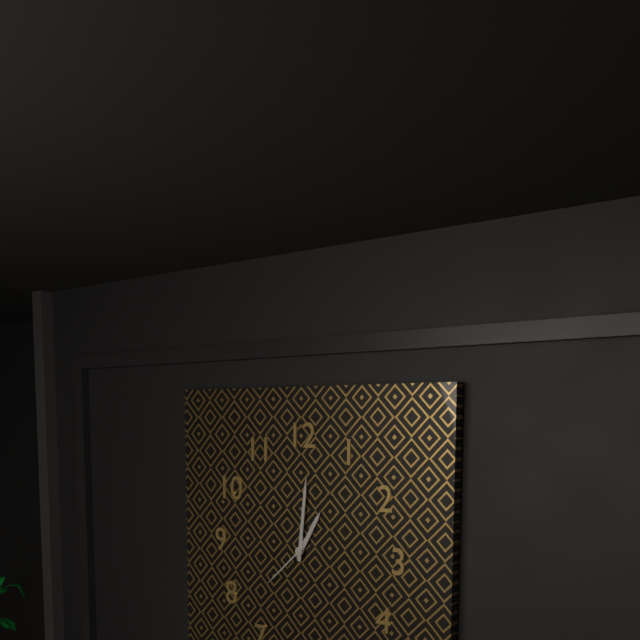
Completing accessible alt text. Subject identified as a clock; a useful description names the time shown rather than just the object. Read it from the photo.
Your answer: 1:01:38
